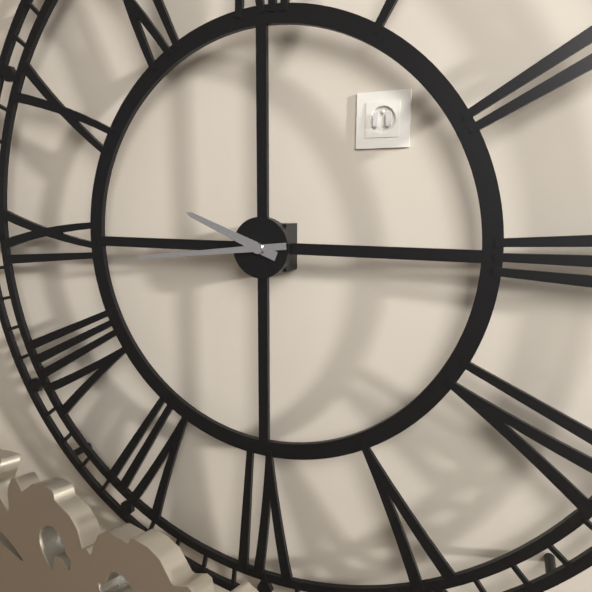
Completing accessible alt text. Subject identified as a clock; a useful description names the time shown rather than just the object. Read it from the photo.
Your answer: 9:44
